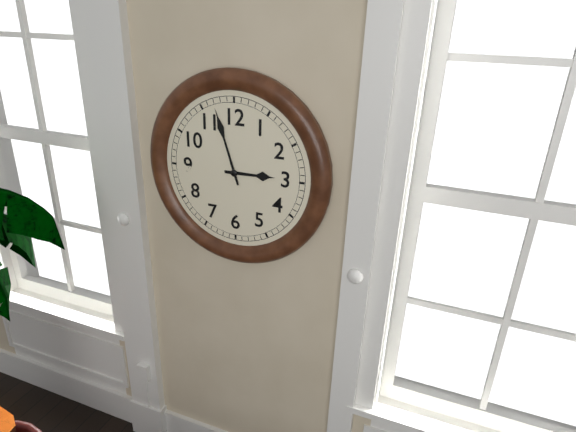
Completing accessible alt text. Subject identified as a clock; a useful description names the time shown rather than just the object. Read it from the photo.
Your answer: 2:57
